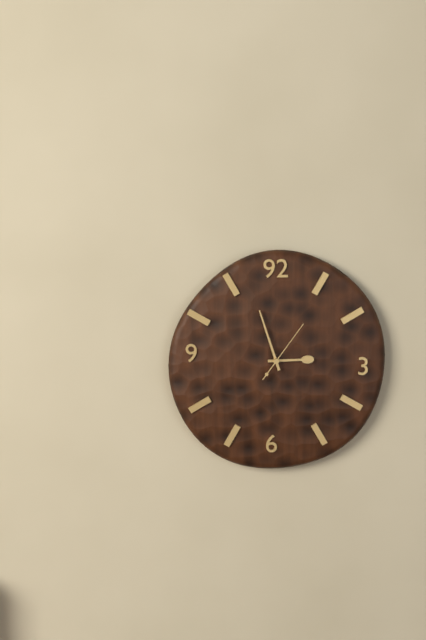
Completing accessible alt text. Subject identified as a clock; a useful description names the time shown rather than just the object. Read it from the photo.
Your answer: 2:57:06
